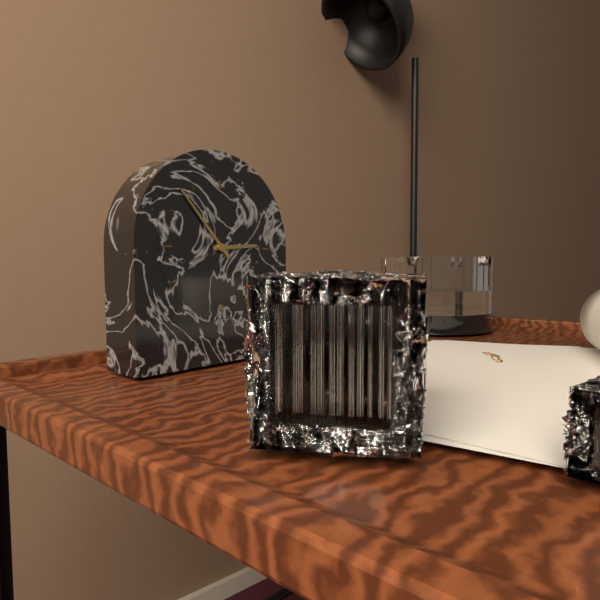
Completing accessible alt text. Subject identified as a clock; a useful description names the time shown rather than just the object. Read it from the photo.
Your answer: 2:53
